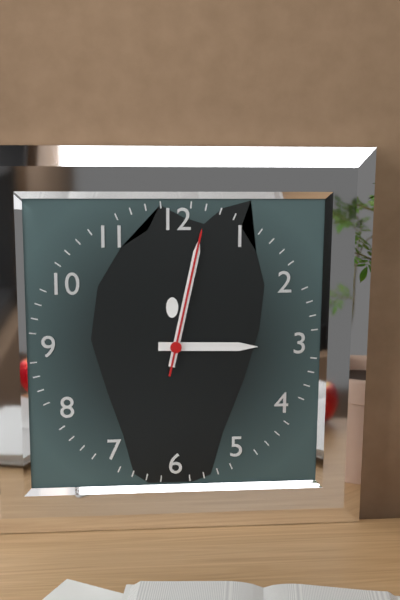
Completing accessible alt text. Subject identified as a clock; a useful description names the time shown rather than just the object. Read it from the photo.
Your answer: 3:02:02
